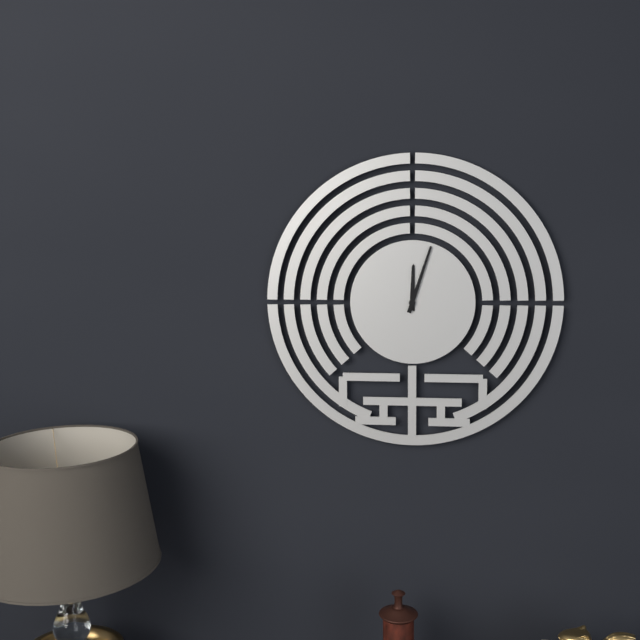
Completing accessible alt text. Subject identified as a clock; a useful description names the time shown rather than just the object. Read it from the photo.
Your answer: 12:03
